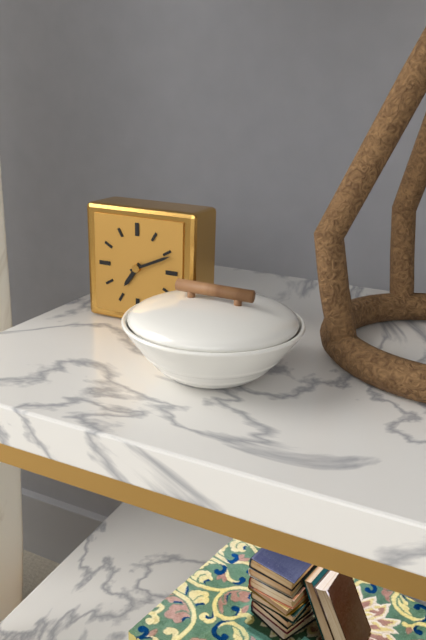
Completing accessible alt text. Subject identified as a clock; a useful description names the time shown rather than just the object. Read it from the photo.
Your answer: 7:11
